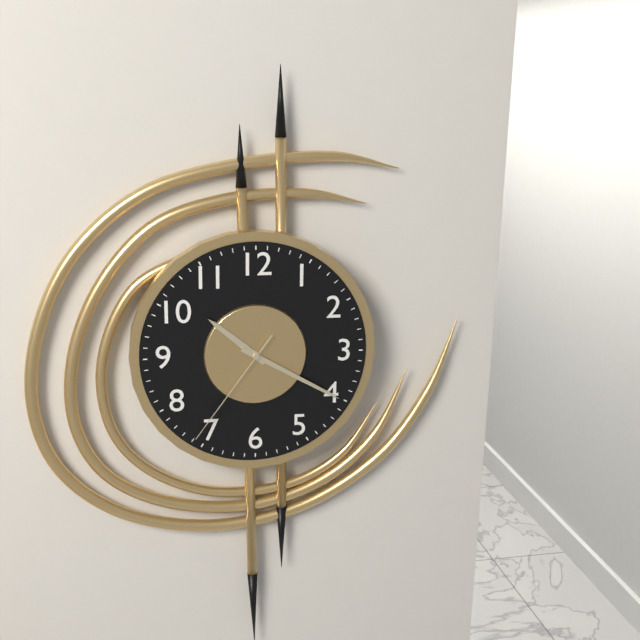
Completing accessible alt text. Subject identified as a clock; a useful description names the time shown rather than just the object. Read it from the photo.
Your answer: 10:20:36
